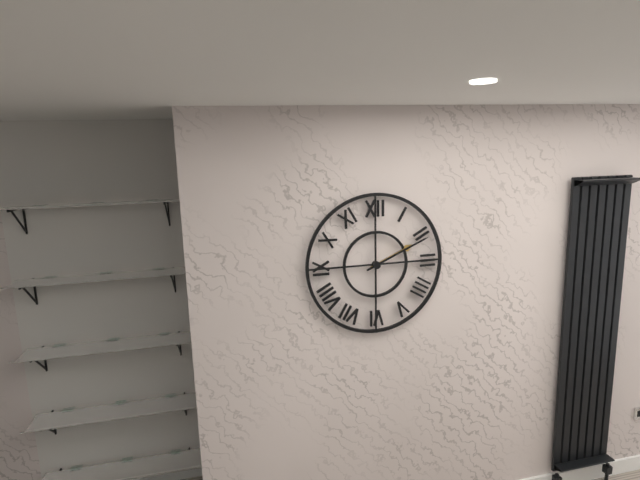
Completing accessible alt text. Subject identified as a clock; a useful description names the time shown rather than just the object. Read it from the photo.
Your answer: 2:11
